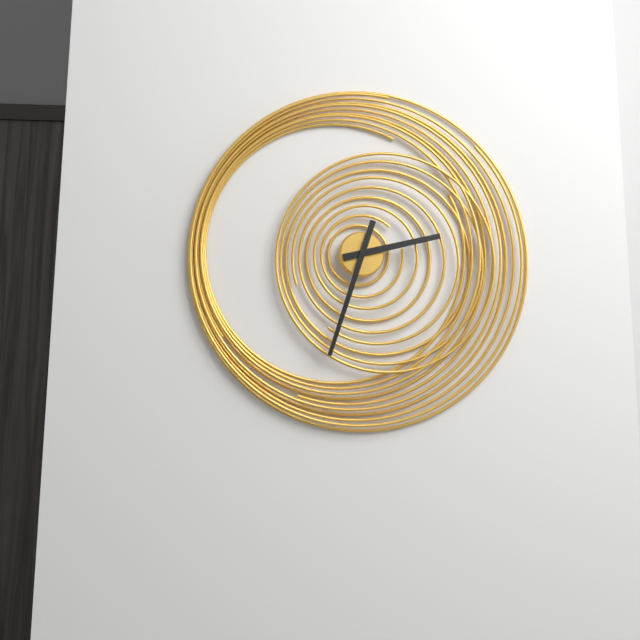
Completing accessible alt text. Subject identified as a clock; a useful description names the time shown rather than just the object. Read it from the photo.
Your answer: 2:33
